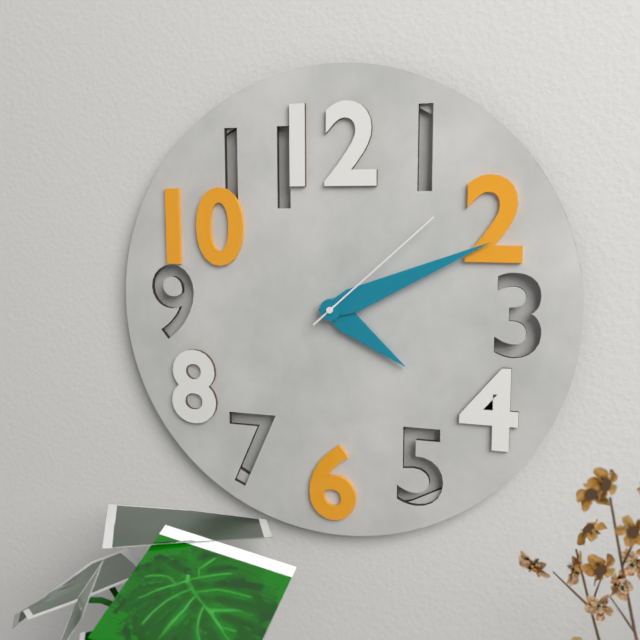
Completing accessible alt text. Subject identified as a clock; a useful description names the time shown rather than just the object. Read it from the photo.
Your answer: 4:11:08
